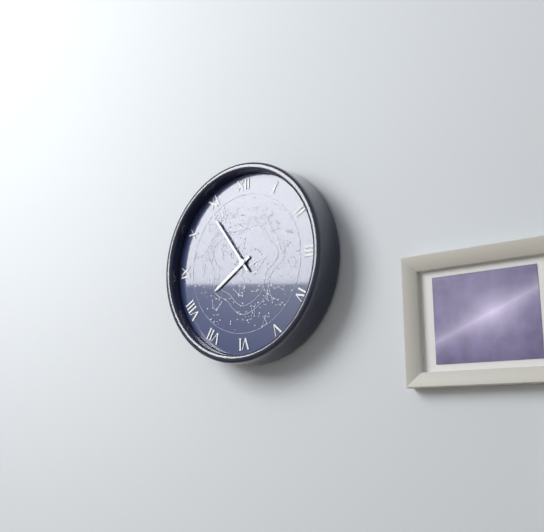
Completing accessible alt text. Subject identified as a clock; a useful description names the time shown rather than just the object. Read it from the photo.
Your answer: 7:54
